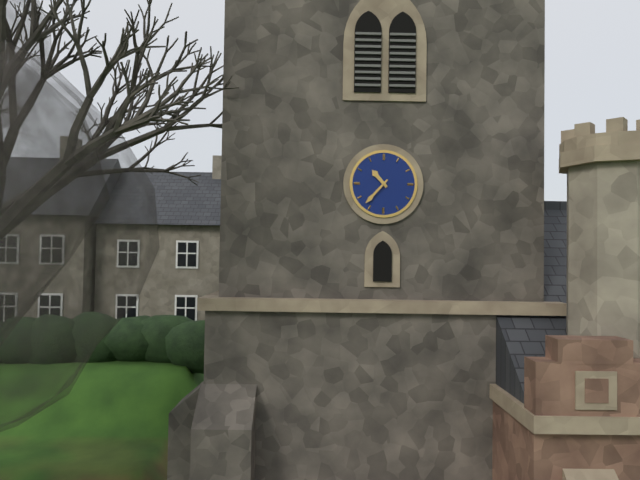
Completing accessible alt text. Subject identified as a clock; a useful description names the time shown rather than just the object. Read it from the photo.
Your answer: 10:37
